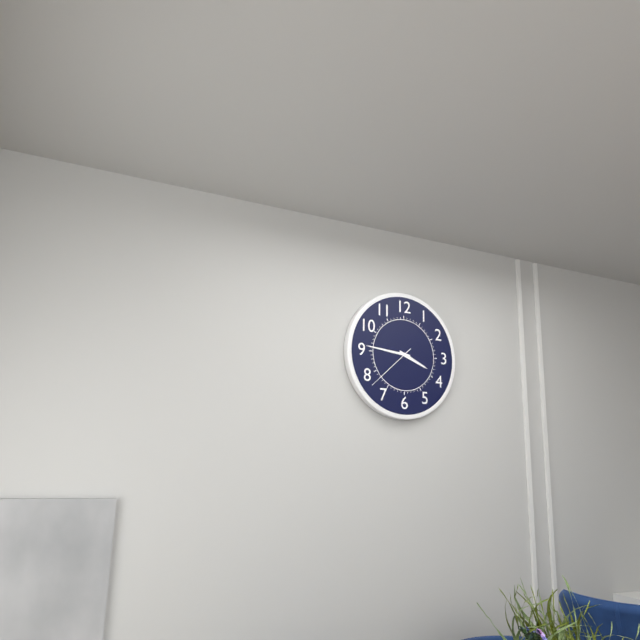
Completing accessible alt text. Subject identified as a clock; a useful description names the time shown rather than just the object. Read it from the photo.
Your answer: 3:46:38
